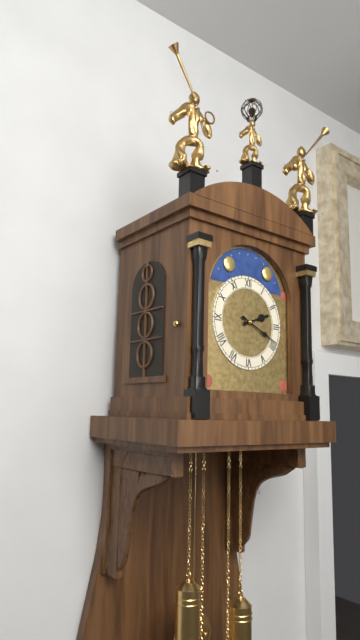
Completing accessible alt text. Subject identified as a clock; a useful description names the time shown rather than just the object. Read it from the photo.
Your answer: 2:19
